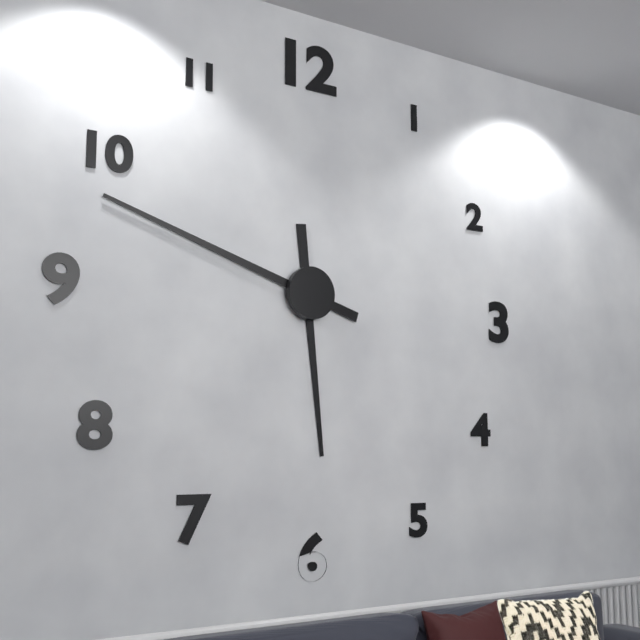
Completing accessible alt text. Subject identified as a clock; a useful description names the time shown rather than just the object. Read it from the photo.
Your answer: 5:48
